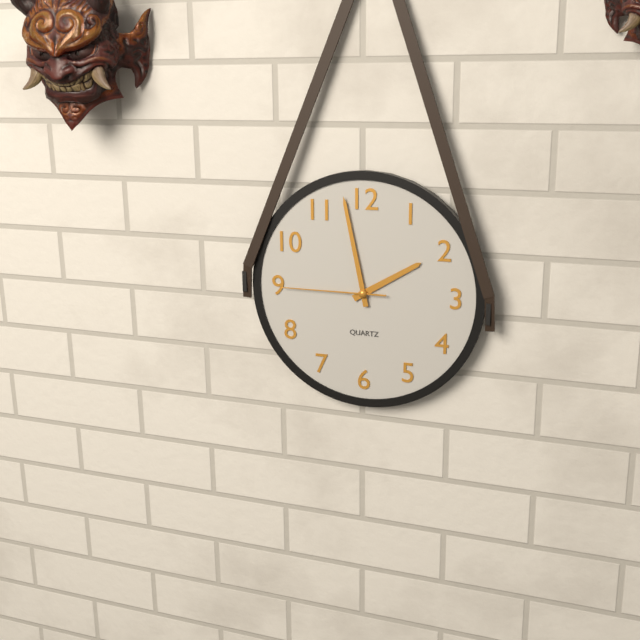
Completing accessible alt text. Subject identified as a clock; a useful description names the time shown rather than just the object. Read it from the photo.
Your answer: 1:58:45
